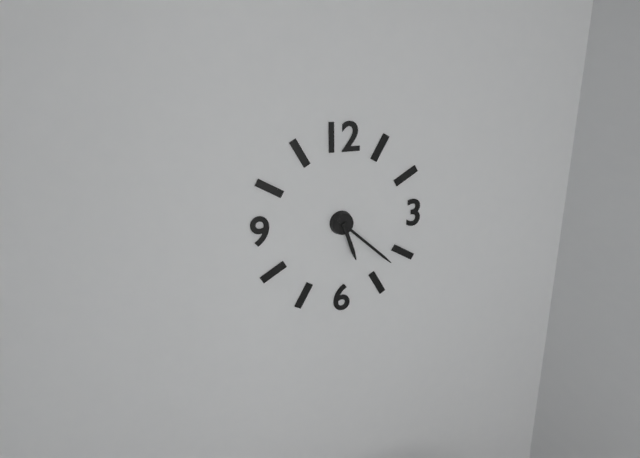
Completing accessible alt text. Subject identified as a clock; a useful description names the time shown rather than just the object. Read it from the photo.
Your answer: 5:22
